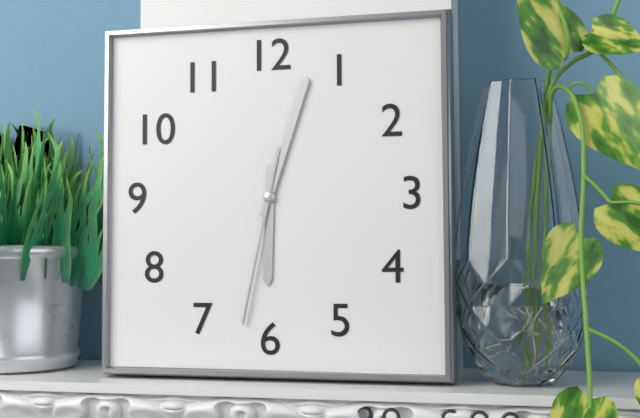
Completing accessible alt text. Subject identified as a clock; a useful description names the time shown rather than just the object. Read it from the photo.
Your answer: 6:03:32
